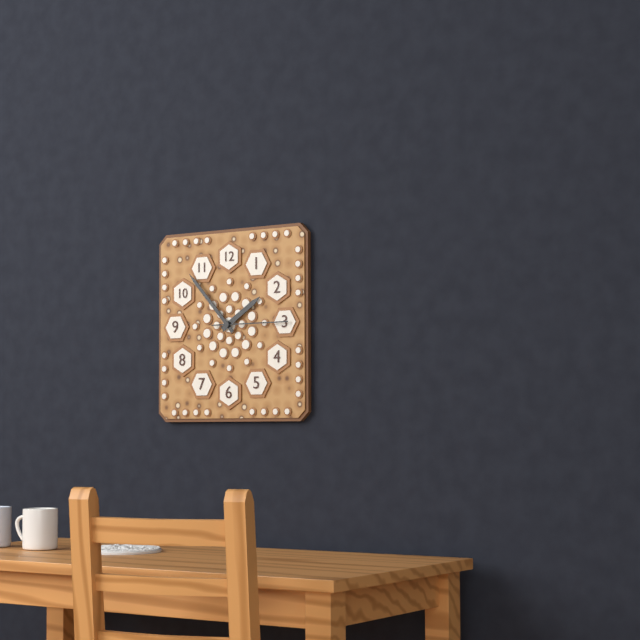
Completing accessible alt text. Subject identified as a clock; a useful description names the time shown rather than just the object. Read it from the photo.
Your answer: 1:53:15
